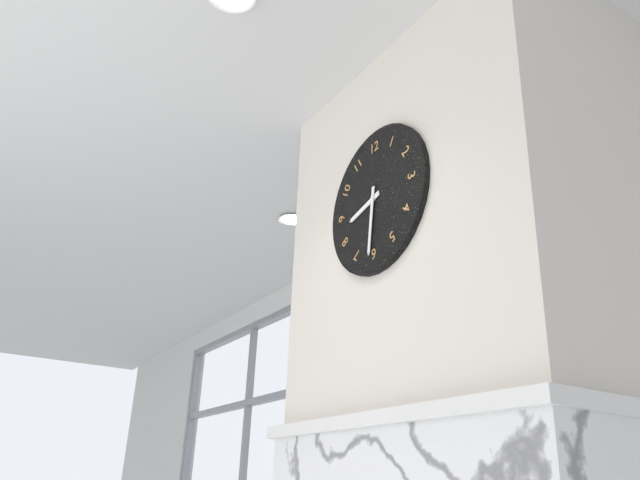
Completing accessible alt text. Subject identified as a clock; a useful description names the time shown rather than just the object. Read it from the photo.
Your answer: 8:31
